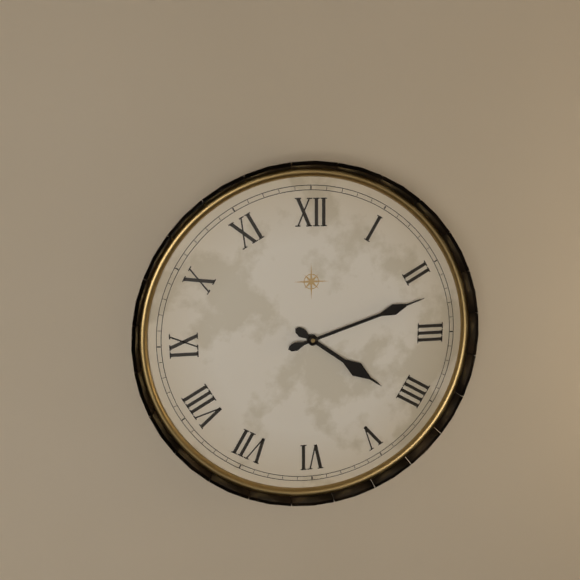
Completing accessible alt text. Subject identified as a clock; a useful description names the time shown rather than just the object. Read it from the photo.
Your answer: 4:12
